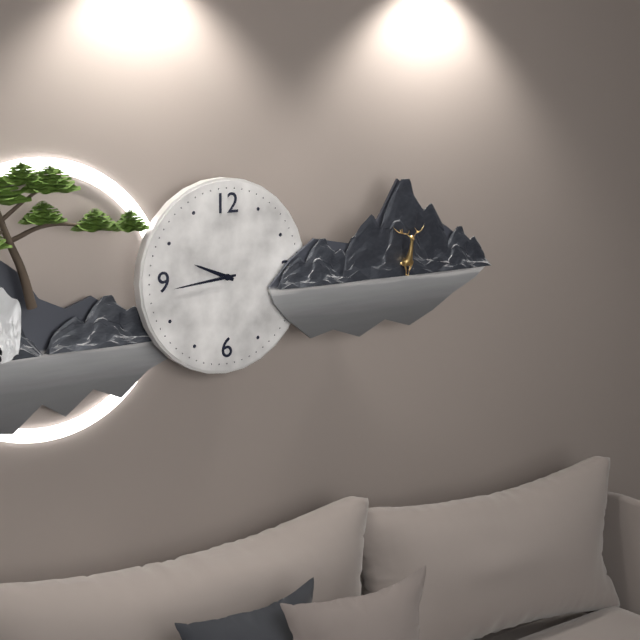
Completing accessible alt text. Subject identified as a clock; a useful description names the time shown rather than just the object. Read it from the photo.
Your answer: 9:44
